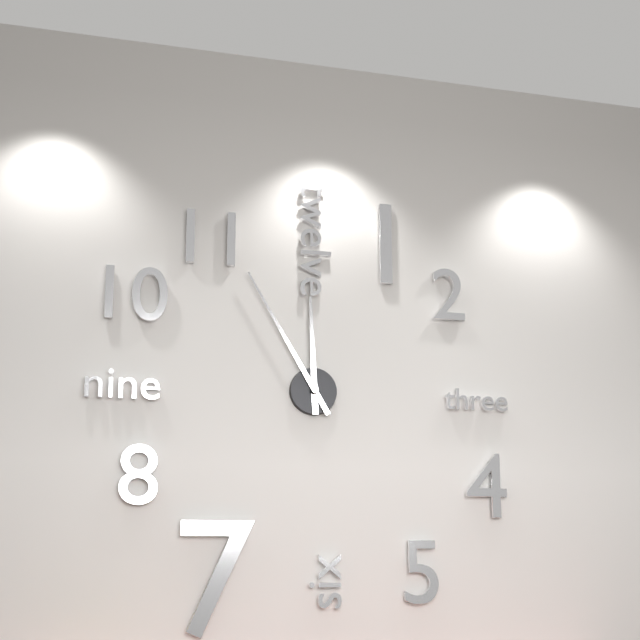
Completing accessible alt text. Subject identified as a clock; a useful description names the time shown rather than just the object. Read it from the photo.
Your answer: 11:55
